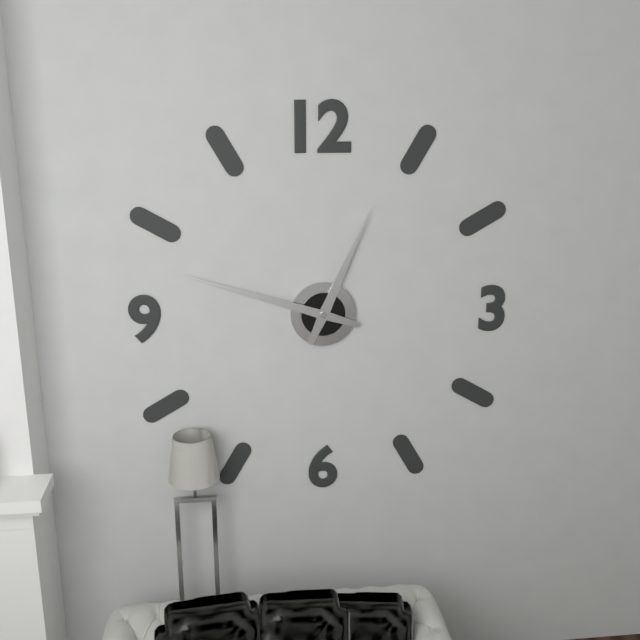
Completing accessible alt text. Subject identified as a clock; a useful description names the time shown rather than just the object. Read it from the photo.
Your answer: 12:48
